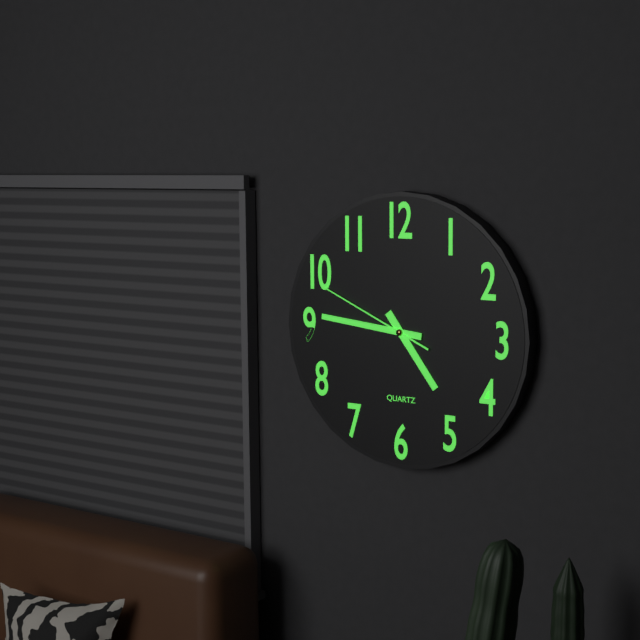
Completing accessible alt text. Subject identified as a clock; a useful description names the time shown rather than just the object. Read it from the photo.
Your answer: 4:46:49
